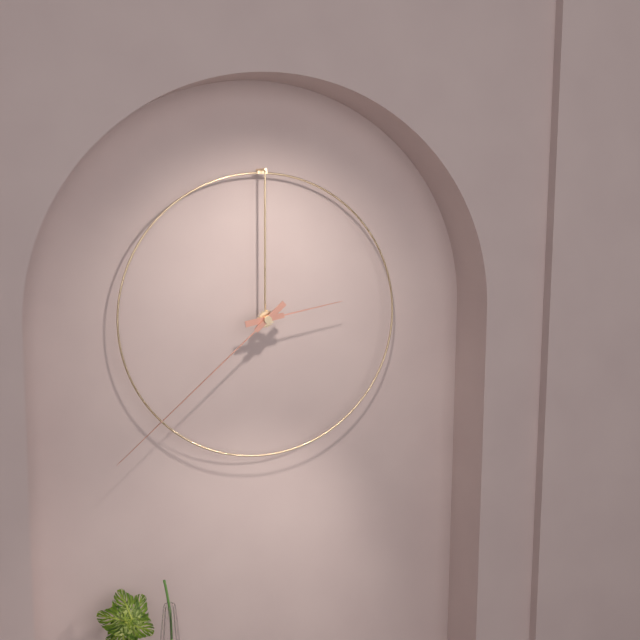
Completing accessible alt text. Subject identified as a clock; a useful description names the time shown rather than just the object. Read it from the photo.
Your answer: 2:38
